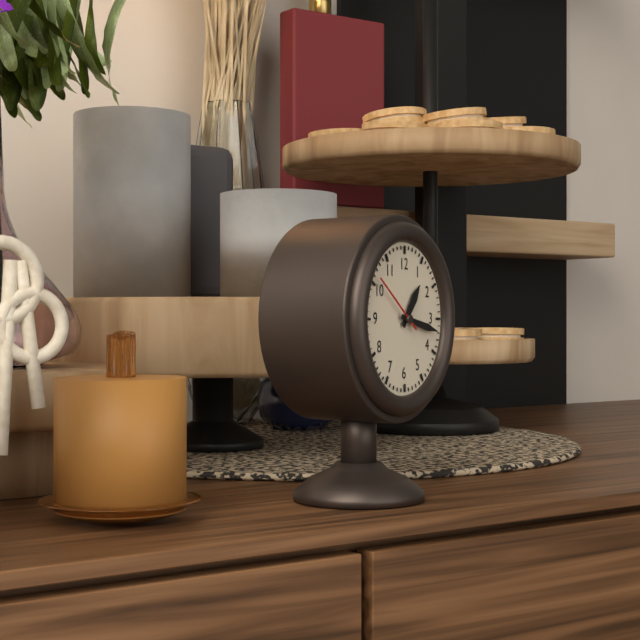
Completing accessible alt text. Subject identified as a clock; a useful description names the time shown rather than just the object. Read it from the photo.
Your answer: 1:17:51
